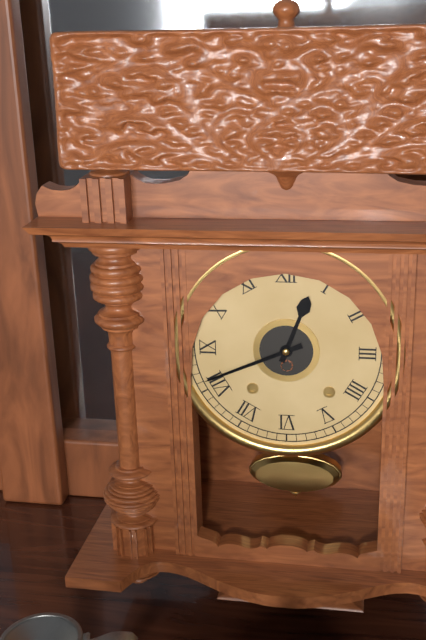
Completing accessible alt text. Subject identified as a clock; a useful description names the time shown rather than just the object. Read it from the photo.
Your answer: 12:41
